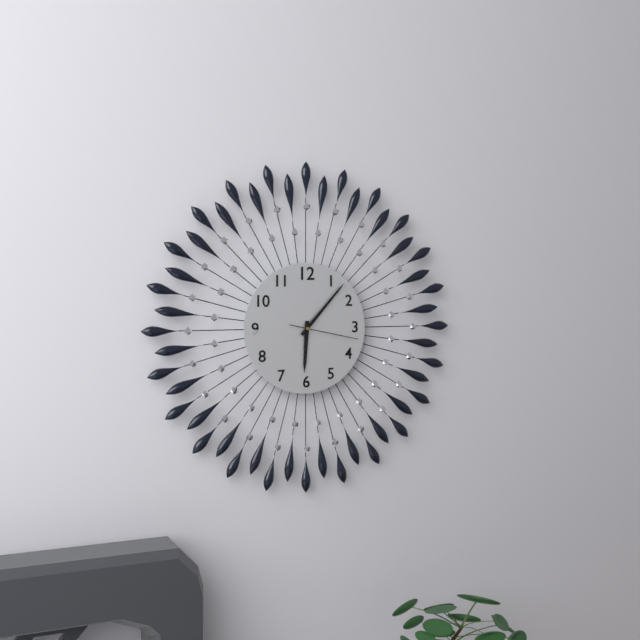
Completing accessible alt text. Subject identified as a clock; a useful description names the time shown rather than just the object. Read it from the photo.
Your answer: 6:07:17
